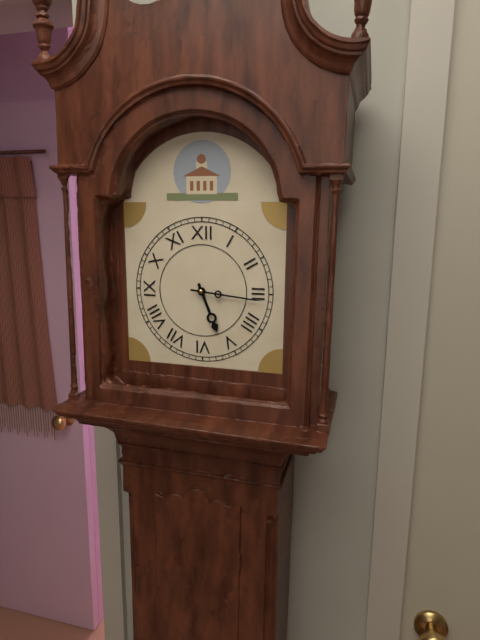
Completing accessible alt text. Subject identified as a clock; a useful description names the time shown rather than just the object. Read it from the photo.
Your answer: 5:16
